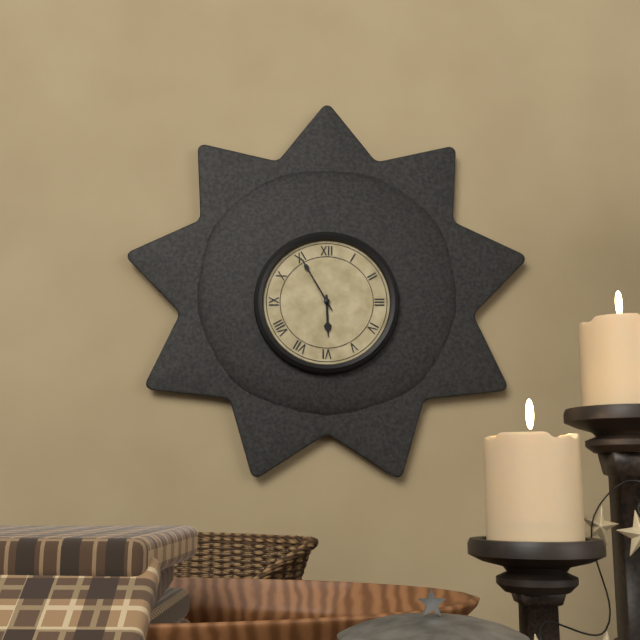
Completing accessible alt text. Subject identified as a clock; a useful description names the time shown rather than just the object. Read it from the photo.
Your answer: 5:55
